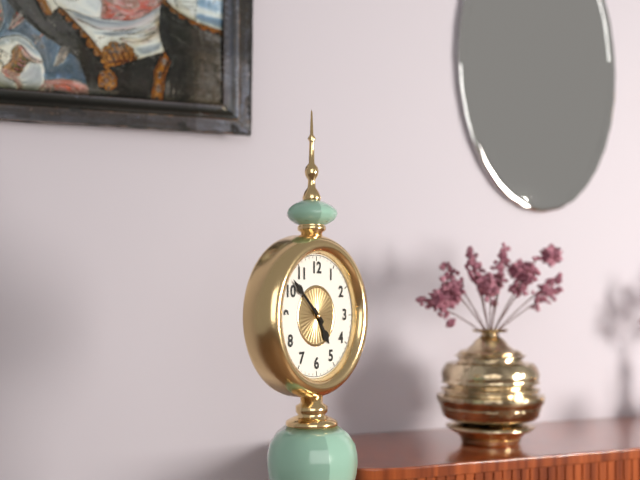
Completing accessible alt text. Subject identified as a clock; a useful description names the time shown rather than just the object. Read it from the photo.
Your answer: 4:52
